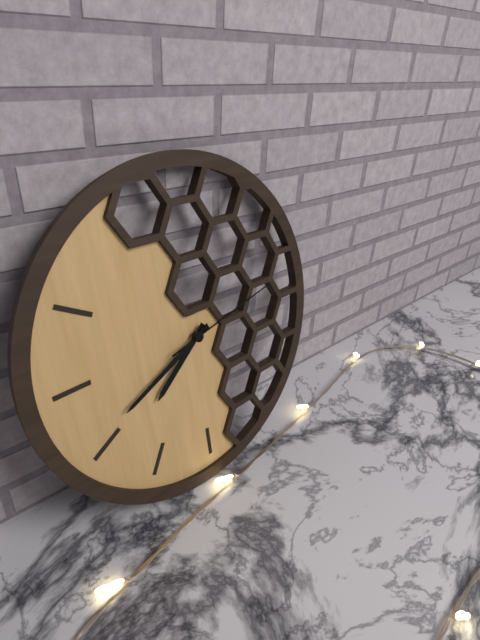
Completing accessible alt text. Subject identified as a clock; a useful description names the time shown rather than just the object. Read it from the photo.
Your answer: 7:41:13
